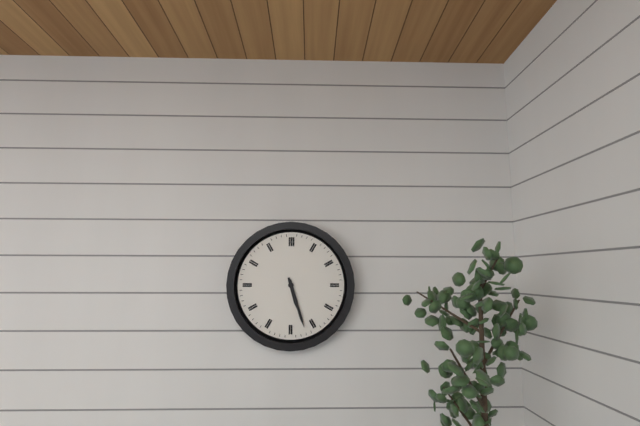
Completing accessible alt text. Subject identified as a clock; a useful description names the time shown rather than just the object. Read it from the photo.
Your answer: 5:27
